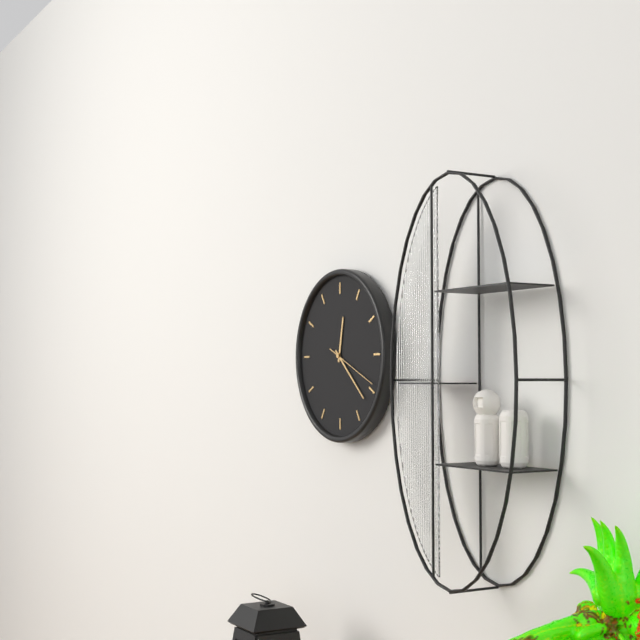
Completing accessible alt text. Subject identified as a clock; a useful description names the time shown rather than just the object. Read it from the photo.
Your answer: 12:22:19
